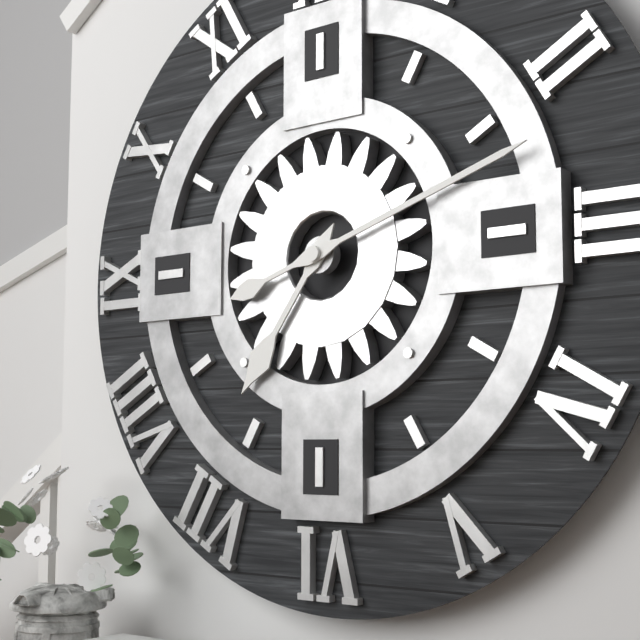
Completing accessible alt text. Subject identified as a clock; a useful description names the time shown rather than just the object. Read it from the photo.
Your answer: 7:12
